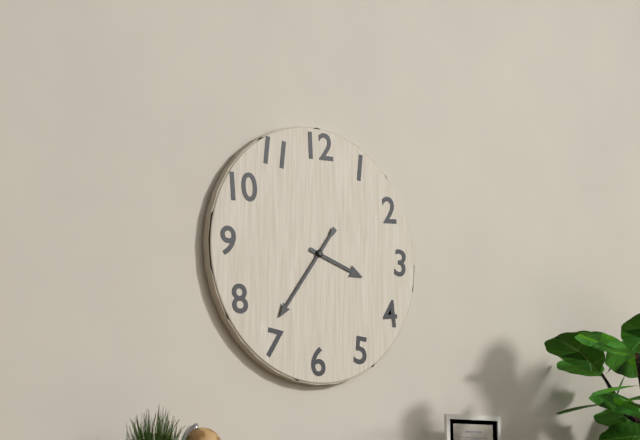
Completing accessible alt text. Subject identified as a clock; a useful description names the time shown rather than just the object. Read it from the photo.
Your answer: 3:36
